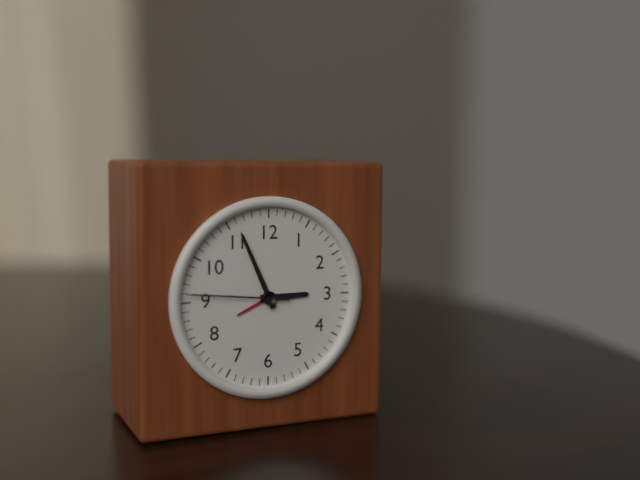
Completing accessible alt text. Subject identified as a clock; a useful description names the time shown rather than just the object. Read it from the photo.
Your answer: 2:56:46
